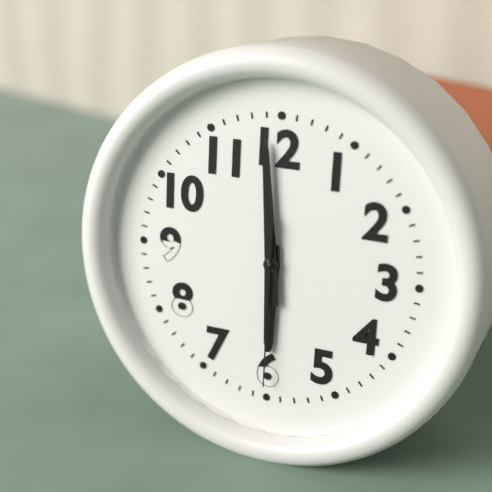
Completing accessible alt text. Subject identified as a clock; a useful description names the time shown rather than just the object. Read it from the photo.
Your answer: 5:59:30
